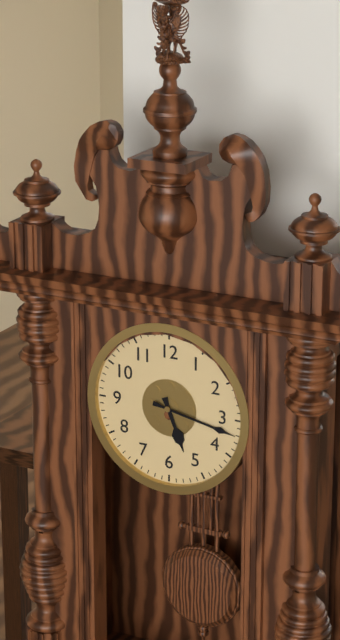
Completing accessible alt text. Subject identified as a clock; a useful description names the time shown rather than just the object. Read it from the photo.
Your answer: 5:17
